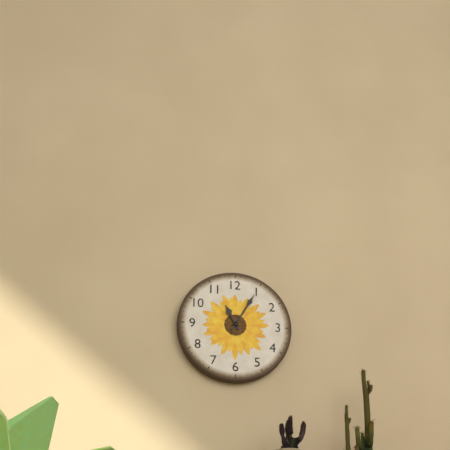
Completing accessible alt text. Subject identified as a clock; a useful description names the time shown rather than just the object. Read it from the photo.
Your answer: 11:05
